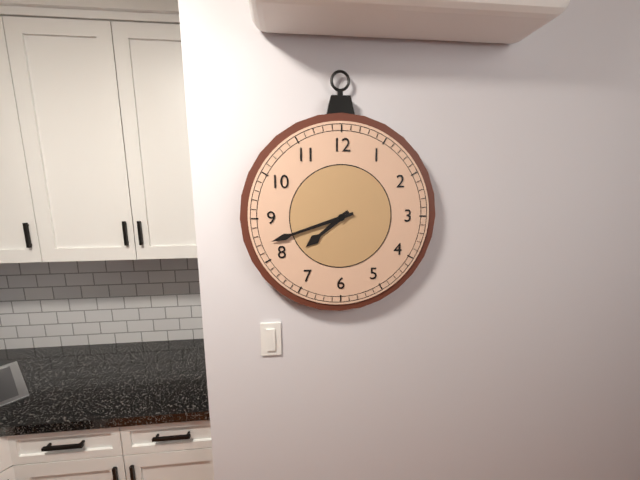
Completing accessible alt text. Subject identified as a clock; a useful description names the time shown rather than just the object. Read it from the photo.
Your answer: 7:42
